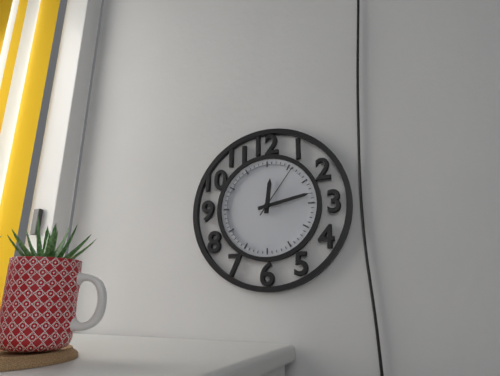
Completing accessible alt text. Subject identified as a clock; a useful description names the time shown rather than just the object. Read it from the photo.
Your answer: 12:13:06
